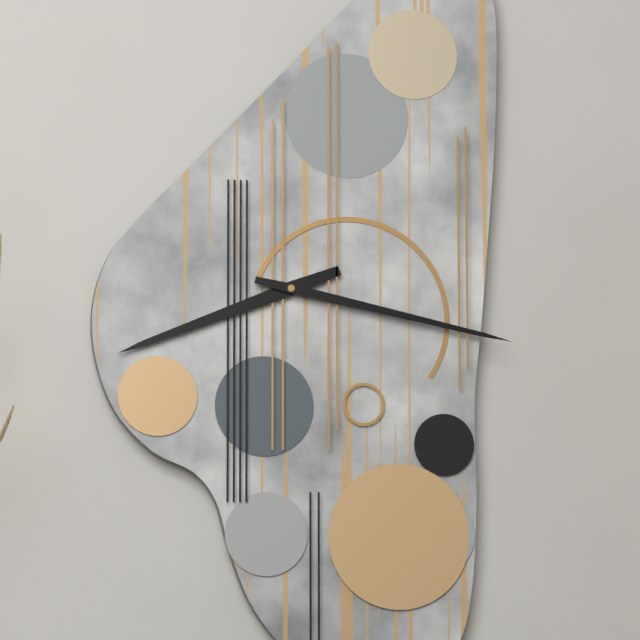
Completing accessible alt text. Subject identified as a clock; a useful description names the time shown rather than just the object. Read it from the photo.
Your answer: 8:17
